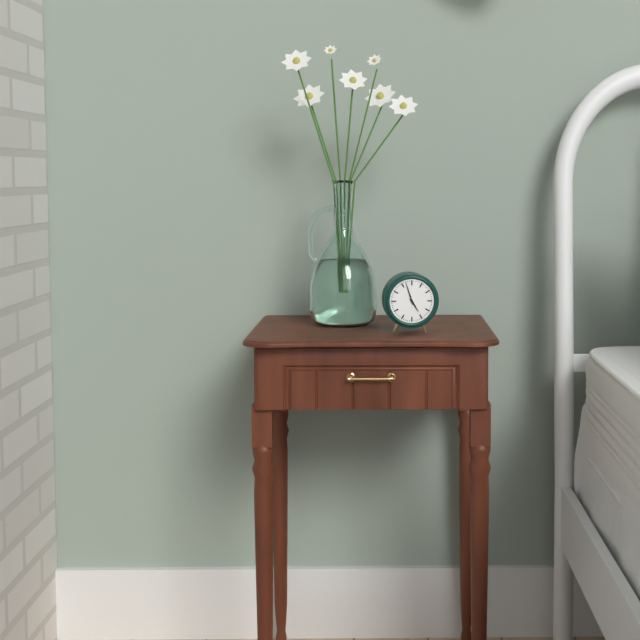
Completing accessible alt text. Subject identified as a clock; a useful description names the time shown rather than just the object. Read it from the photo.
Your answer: 4:57
